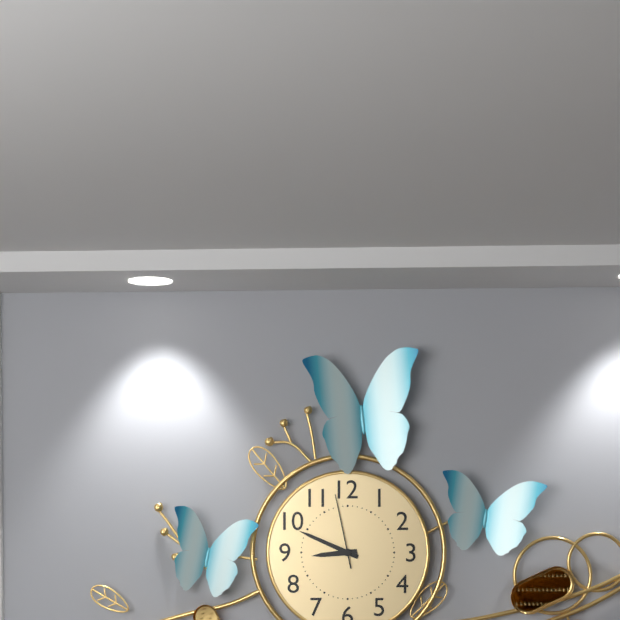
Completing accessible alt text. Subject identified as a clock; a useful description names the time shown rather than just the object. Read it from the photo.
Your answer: 8:49:58
